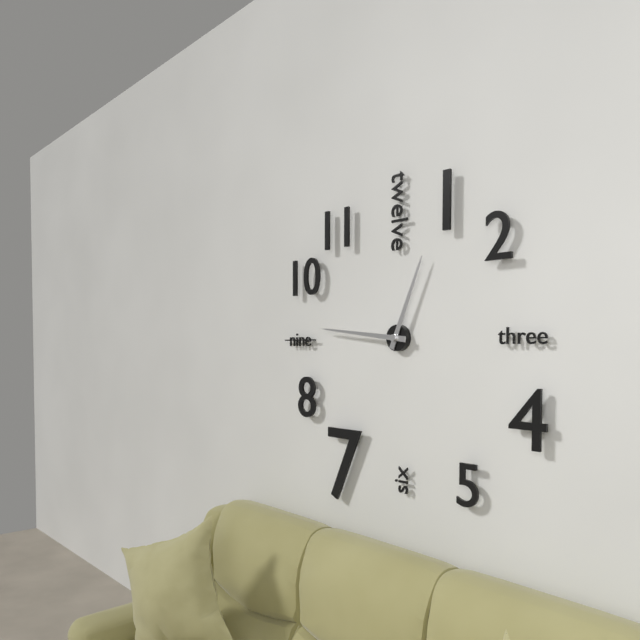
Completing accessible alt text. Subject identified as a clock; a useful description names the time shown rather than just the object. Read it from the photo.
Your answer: 12:46
